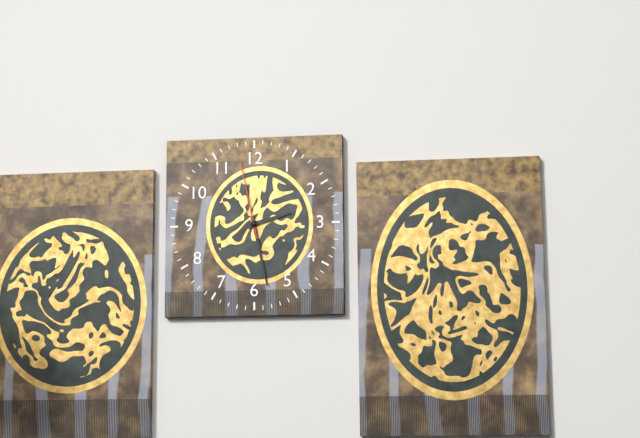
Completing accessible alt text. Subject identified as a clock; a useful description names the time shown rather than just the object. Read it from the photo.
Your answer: 2:28:58
